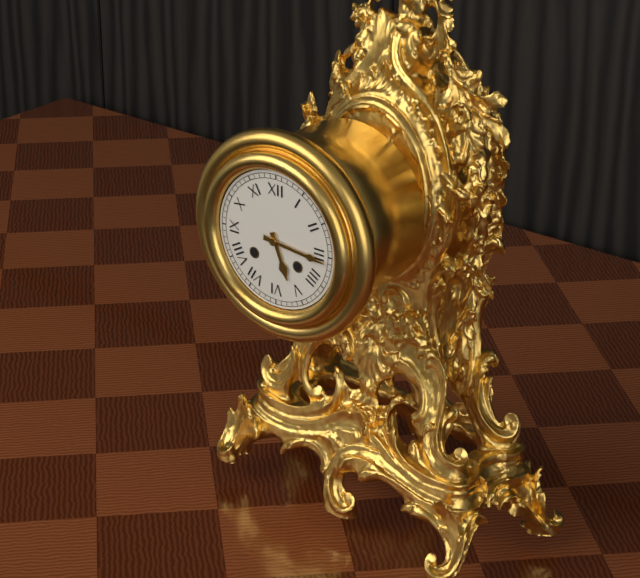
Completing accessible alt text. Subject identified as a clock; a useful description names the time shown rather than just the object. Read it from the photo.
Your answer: 5:16
